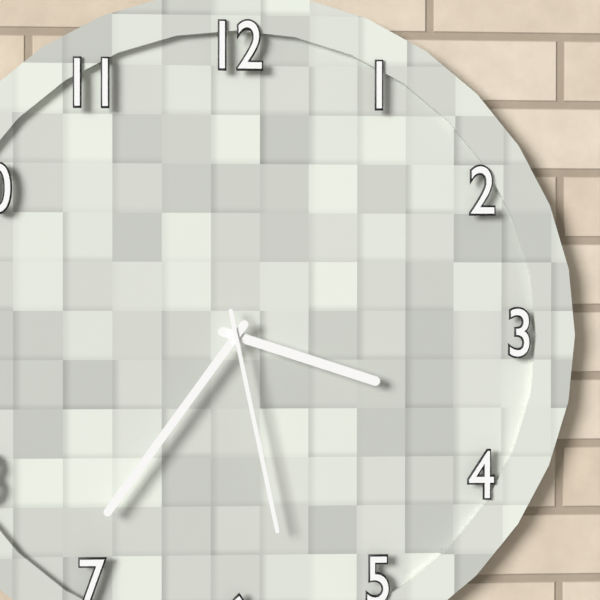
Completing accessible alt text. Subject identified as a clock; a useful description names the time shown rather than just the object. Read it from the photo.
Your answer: 3:36:28
